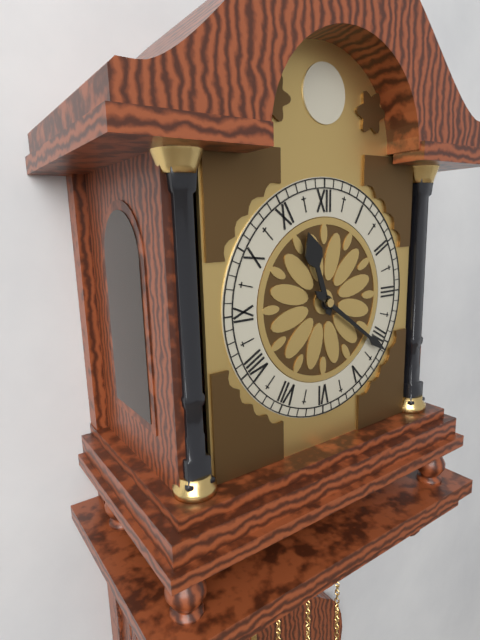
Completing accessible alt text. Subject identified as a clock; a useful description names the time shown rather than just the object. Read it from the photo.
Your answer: 11:21
